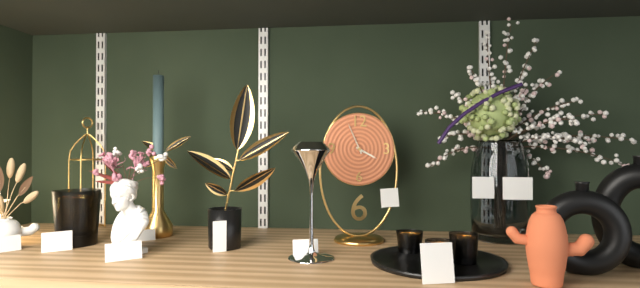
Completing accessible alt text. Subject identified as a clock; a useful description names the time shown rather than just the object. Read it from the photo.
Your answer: 3:56
